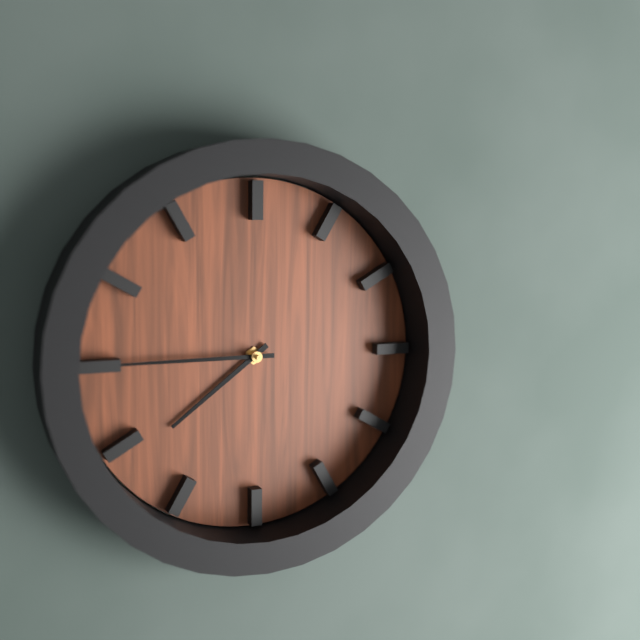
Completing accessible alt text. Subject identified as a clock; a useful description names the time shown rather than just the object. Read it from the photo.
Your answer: 7:45
